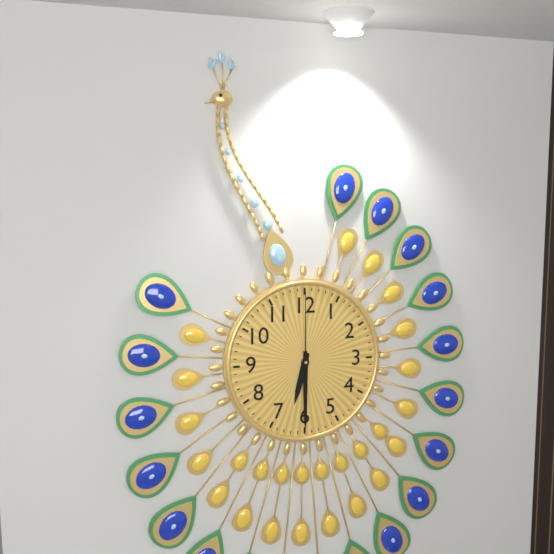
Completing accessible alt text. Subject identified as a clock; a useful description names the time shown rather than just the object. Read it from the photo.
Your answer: 6:30:00
